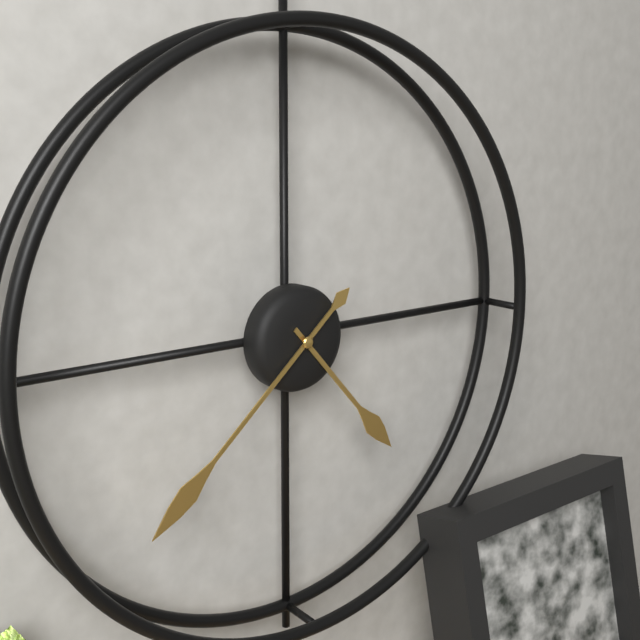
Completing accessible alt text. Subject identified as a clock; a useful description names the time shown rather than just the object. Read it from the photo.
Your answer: 4:38
